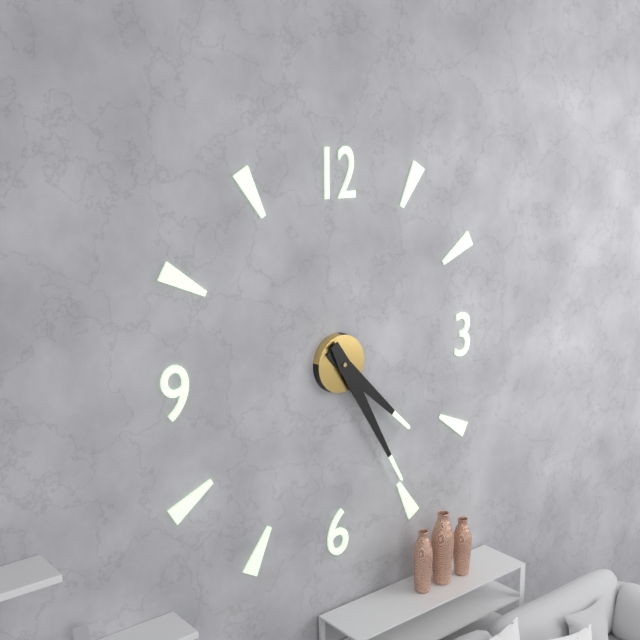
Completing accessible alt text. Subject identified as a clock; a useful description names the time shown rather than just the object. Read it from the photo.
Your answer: 4:25
